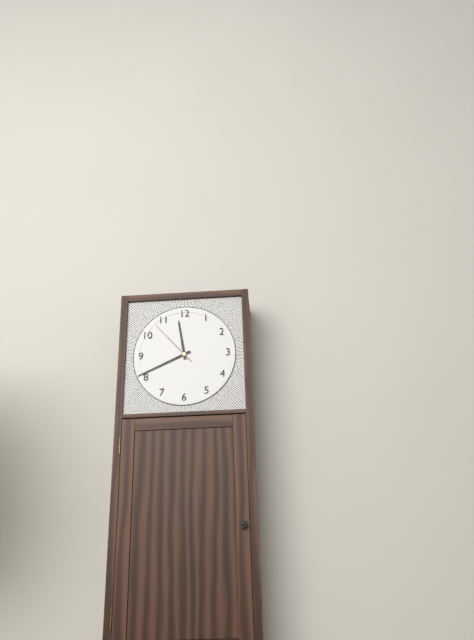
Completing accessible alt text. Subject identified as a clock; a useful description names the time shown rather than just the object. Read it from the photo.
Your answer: 11:41:53
